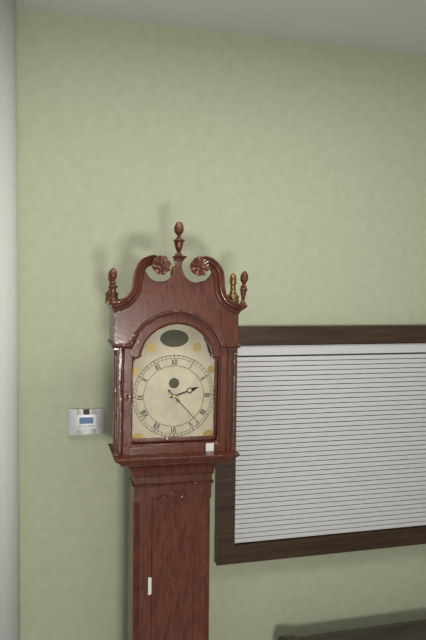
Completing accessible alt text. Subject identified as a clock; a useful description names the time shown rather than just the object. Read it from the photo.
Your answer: 2:23
